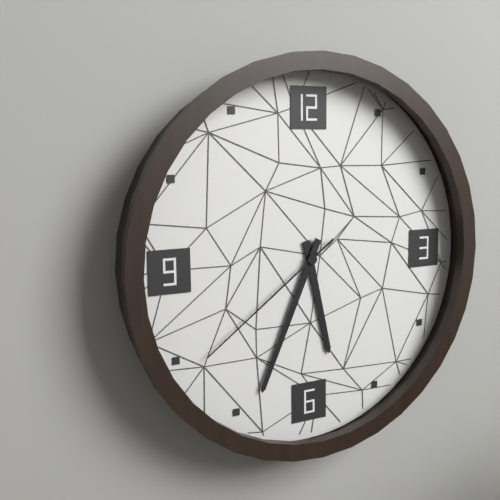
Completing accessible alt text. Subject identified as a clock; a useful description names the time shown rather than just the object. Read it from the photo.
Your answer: 5:34:39
